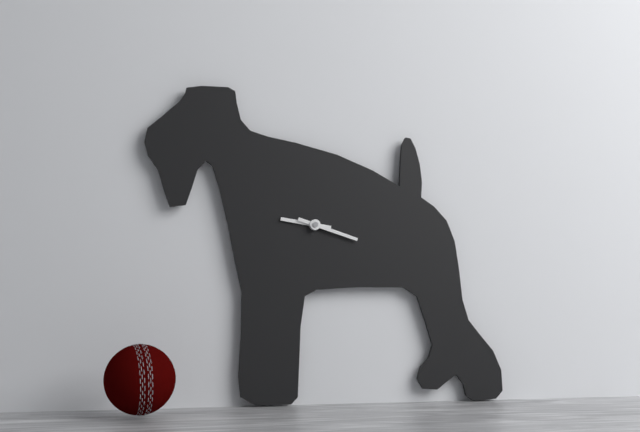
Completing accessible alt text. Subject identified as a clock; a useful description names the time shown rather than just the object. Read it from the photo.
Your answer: 9:18
